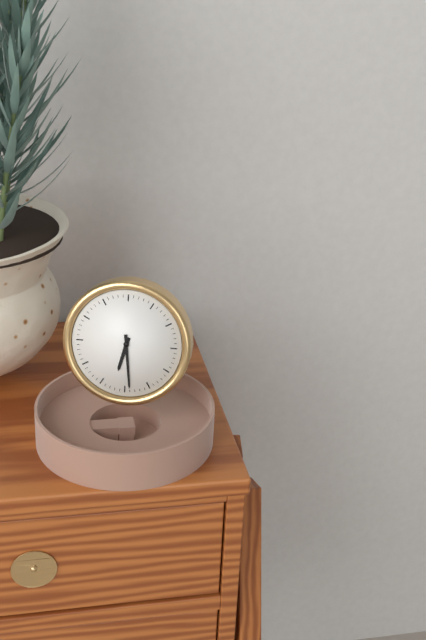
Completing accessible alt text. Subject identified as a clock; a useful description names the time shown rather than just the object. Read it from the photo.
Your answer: 6:29
